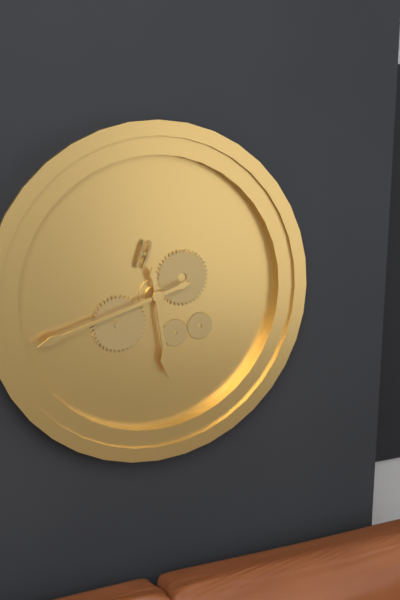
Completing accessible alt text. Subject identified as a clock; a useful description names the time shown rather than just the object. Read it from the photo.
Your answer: 5:42
